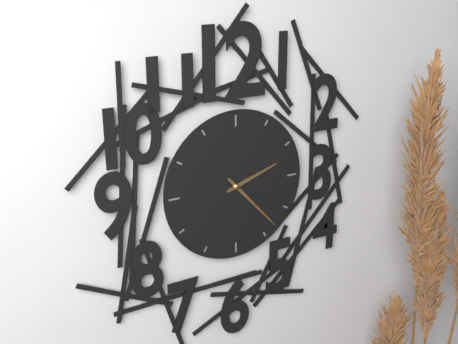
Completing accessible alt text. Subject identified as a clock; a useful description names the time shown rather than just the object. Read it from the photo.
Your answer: 2:23
